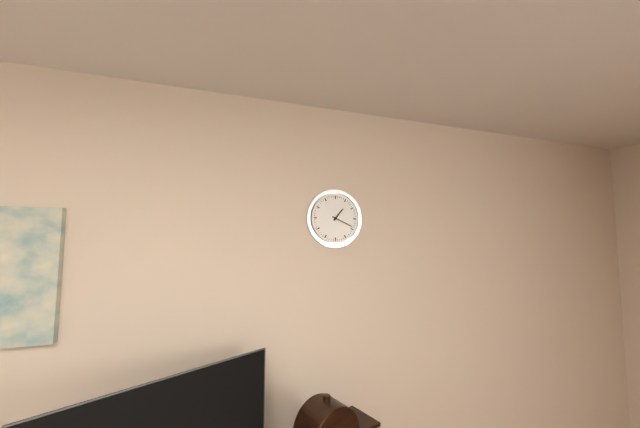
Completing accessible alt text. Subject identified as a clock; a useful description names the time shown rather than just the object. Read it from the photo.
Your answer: 1:19
